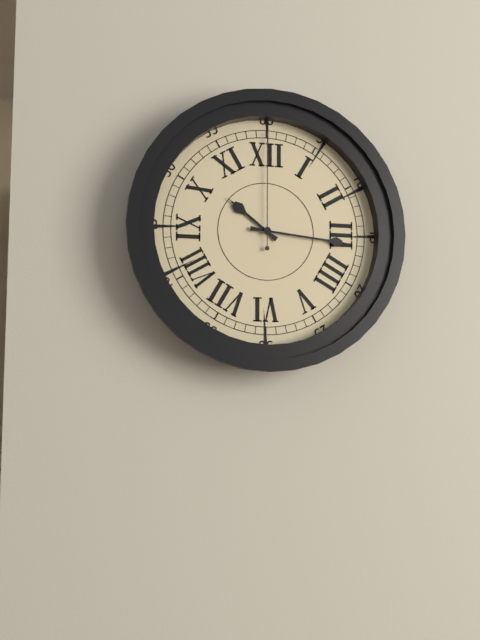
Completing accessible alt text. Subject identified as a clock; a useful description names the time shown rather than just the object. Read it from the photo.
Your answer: 10:16:00
